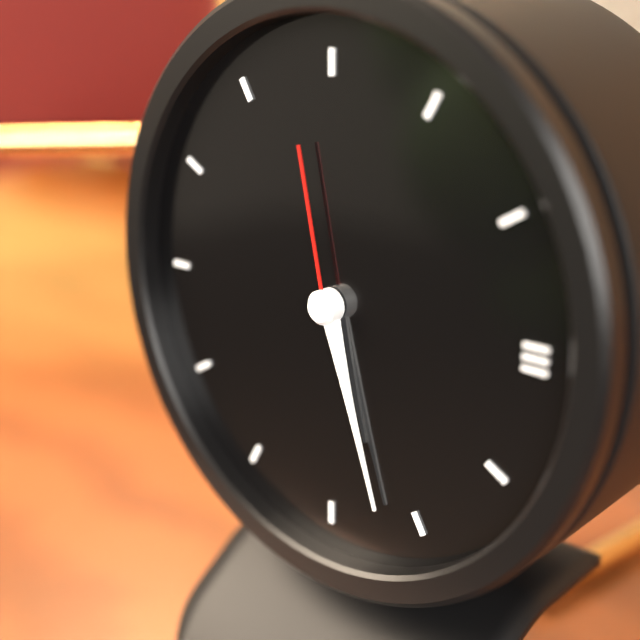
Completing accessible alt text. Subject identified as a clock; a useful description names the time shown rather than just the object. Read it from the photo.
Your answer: 5:27:58
